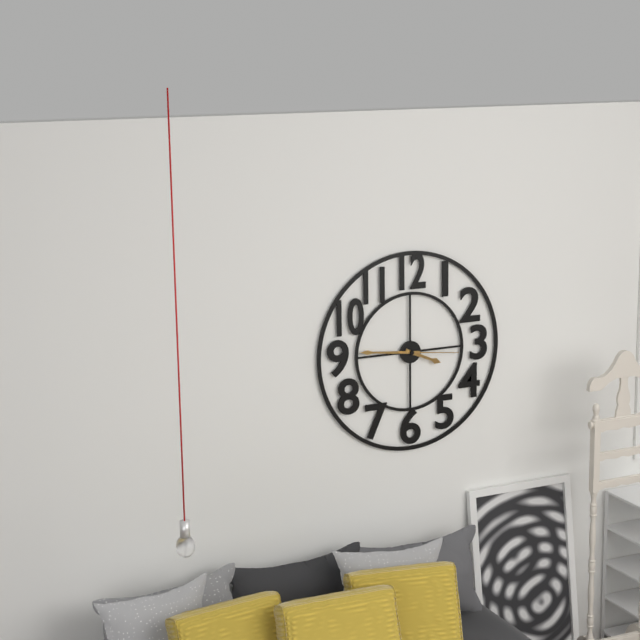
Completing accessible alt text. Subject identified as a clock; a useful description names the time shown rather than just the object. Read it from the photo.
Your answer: 3:46:16
